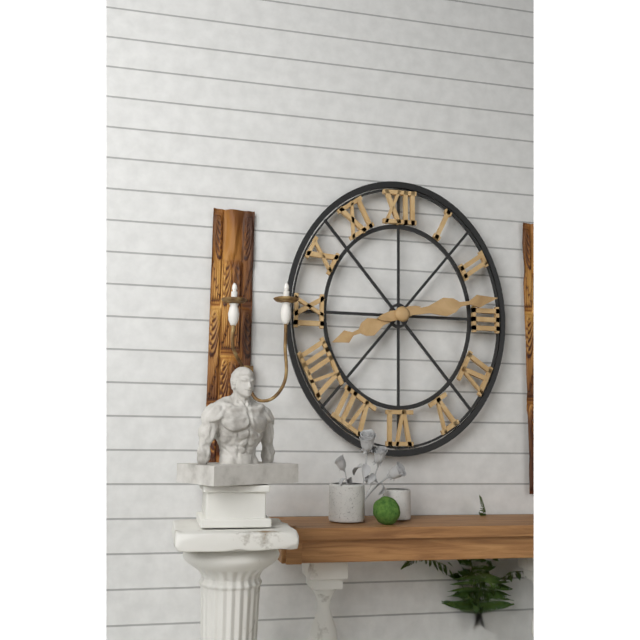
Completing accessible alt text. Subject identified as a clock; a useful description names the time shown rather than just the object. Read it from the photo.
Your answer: 8:13
